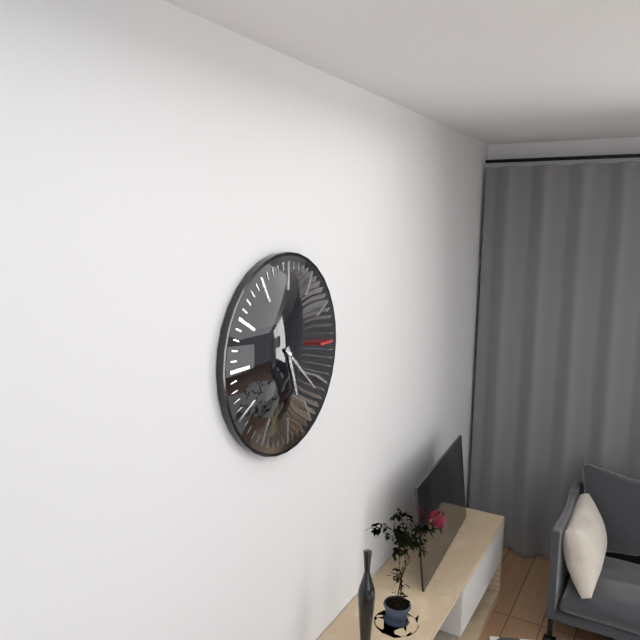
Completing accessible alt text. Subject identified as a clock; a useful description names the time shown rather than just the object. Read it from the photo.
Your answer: 5:22
